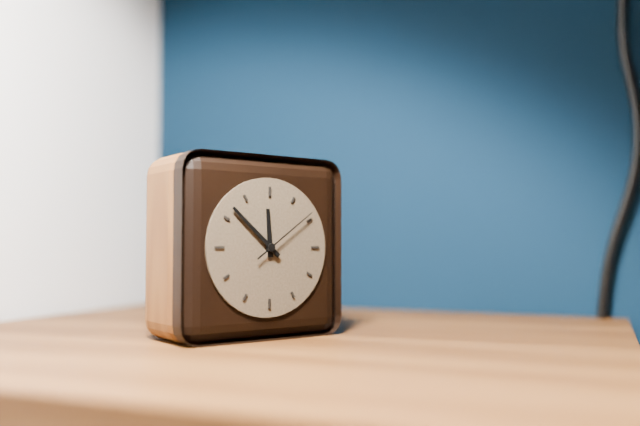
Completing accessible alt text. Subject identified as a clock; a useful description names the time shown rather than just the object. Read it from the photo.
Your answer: 11:52:09
